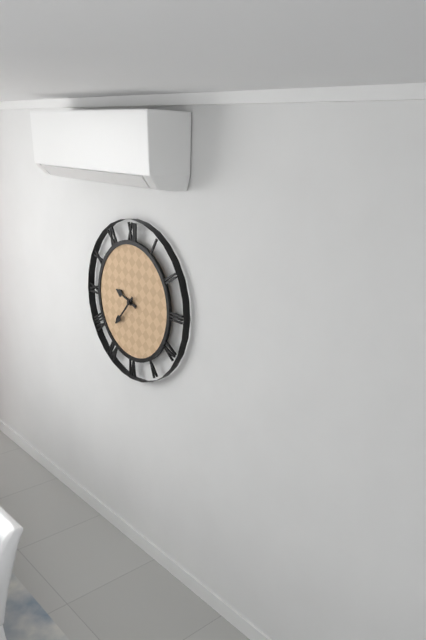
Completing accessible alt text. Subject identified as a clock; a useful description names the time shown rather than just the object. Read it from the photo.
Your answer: 9:37
